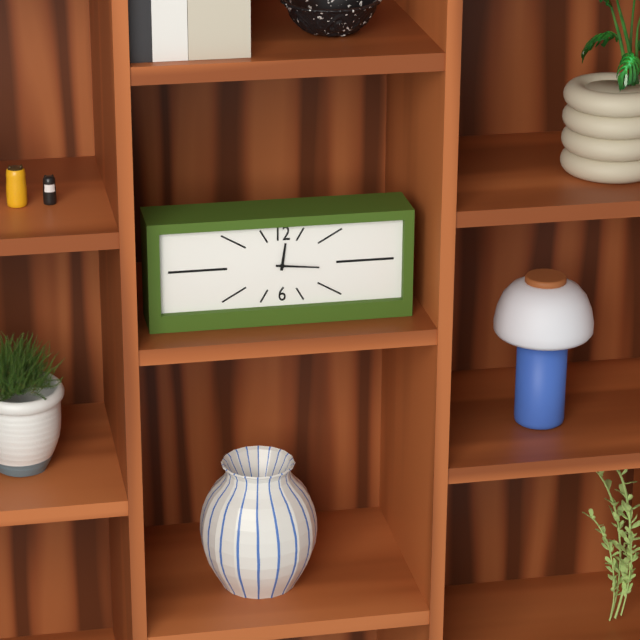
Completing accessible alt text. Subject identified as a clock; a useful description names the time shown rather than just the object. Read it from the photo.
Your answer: 12:16
